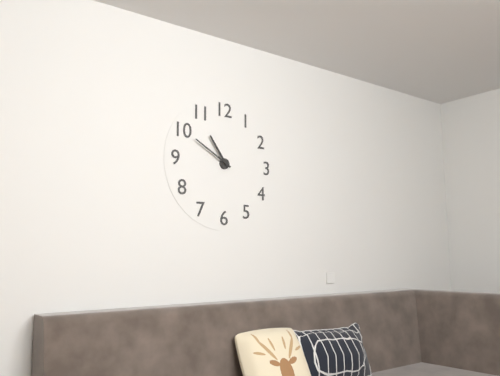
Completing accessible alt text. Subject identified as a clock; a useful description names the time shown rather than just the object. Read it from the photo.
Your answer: 10:50
